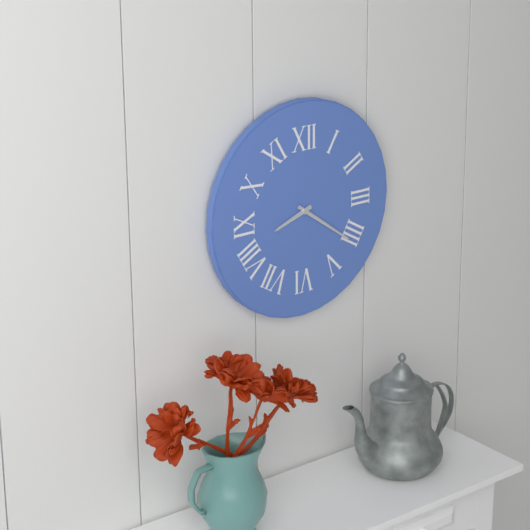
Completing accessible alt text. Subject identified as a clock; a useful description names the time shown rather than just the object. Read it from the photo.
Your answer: 8:21
